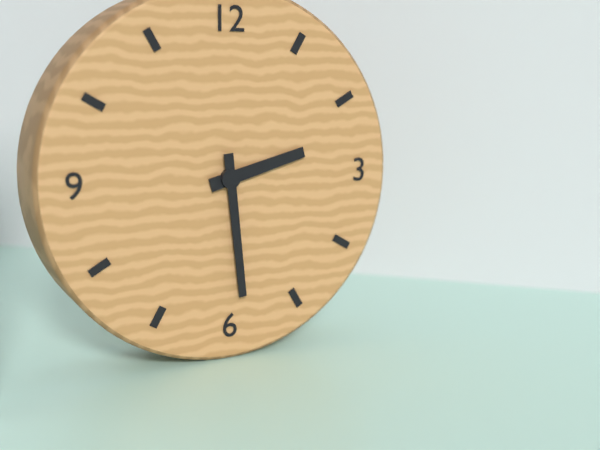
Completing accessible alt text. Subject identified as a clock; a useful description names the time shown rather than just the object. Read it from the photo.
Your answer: 2:29
